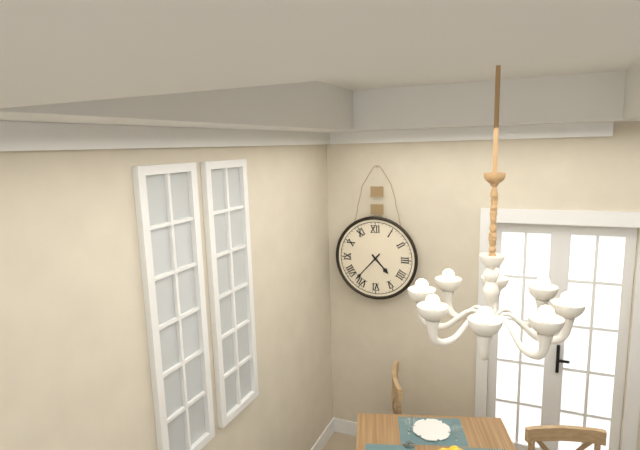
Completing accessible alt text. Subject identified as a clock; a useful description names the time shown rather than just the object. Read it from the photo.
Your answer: 4:37
